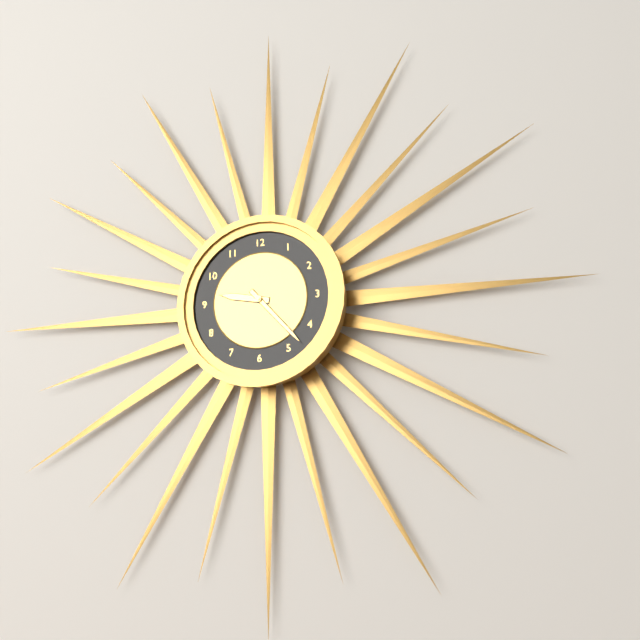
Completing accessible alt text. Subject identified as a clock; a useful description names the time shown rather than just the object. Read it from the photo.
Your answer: 9:23
